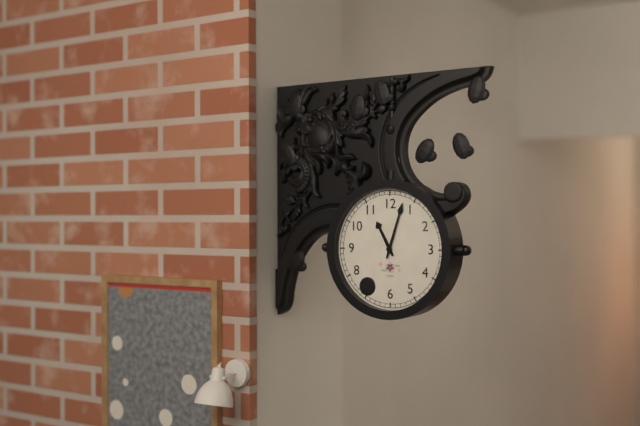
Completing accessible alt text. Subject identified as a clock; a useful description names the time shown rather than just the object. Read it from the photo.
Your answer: 11:03
